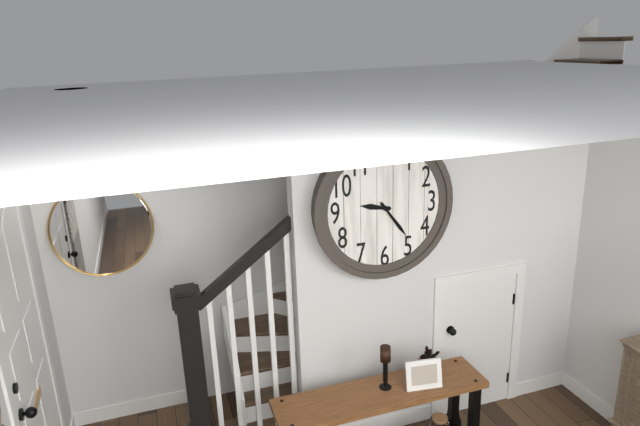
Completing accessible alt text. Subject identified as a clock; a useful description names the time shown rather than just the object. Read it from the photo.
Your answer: 9:24
